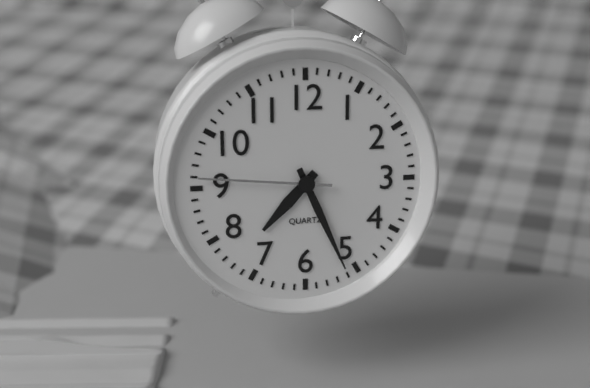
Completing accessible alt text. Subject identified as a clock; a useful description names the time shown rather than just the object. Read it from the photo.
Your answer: 7:26:46
